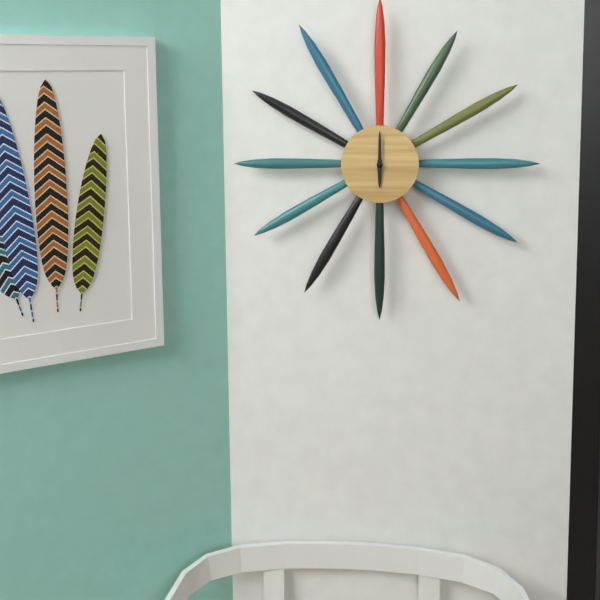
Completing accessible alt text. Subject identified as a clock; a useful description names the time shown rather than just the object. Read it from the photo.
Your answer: 6:00
